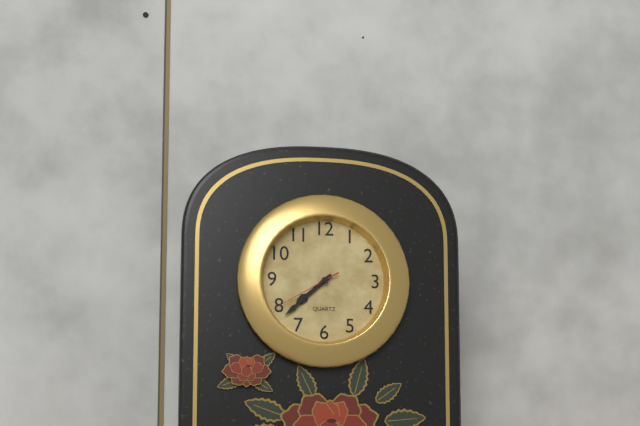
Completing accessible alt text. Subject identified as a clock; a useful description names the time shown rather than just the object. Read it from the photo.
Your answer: 7:38:40
